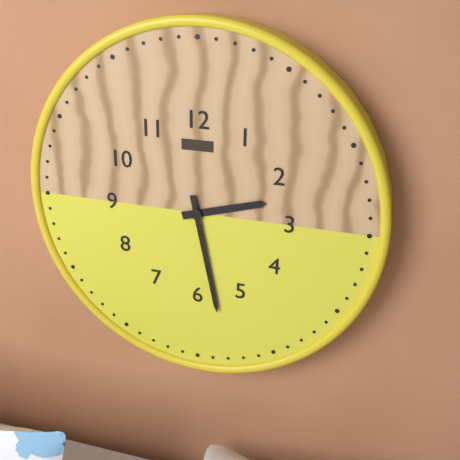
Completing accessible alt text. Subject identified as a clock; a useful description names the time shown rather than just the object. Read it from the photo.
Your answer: 2:28
